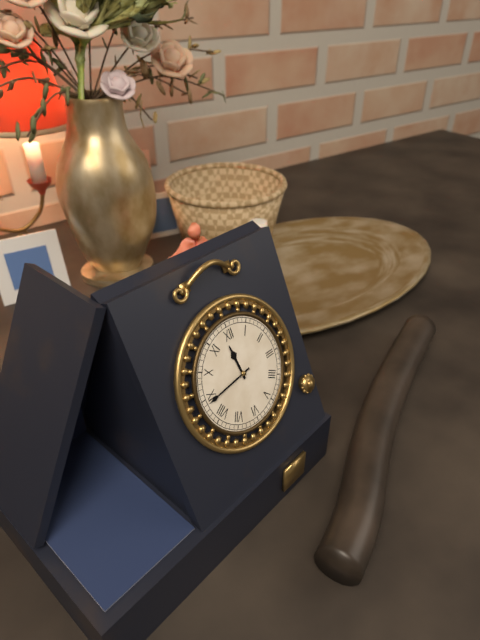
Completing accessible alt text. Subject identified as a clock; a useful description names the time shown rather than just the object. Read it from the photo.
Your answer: 11:44
